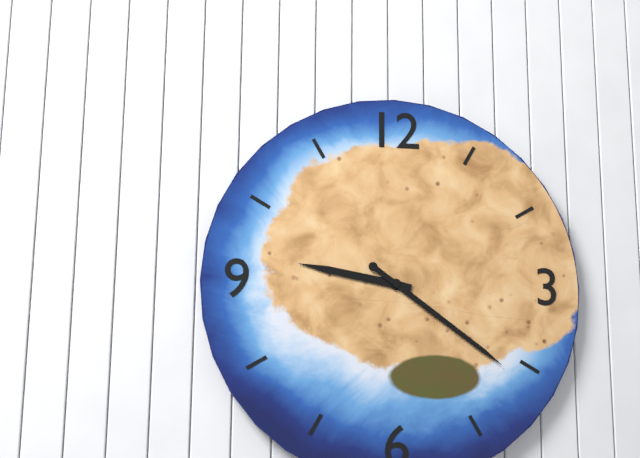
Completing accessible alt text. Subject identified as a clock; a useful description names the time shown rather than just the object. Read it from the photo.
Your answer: 9:21
